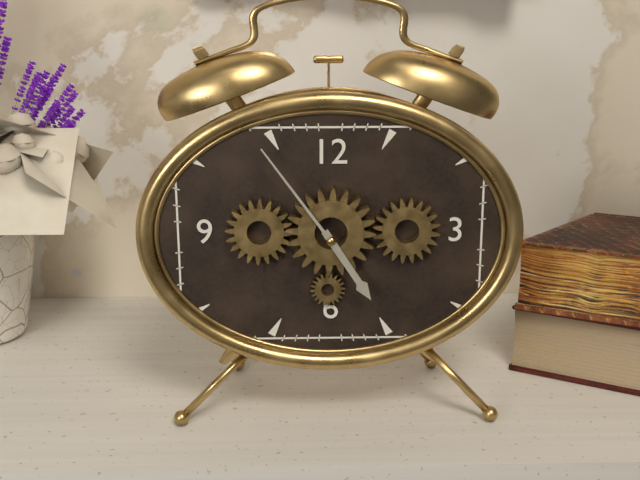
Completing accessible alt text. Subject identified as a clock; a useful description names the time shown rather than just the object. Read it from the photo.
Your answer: 4:54
